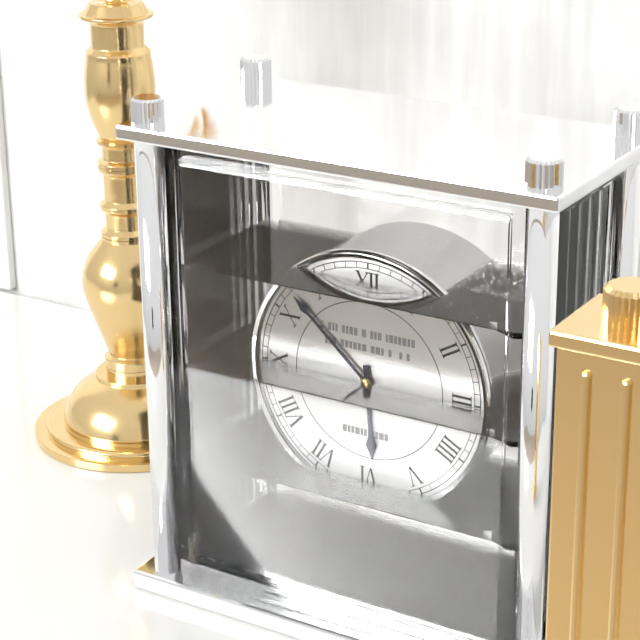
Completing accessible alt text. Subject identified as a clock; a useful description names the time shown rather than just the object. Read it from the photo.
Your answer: 5:52
